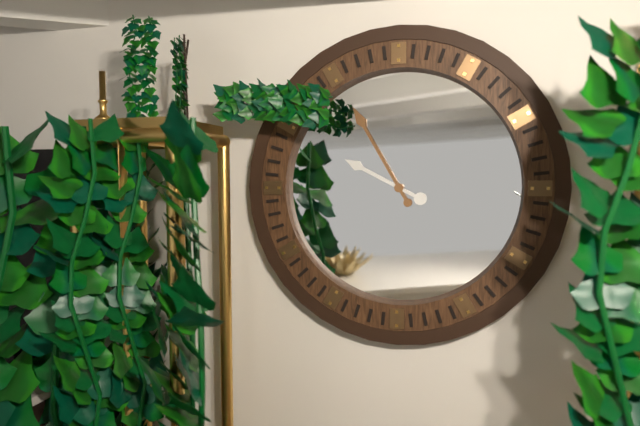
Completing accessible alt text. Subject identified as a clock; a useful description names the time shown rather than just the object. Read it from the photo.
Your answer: 9:55
